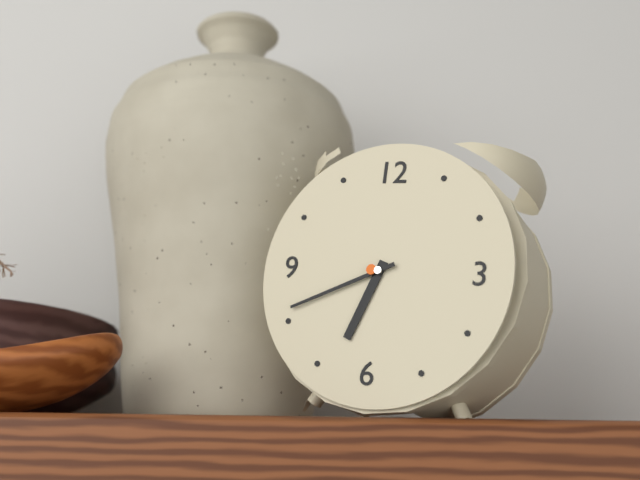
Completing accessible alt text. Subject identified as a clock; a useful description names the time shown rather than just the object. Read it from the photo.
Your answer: 6:41
